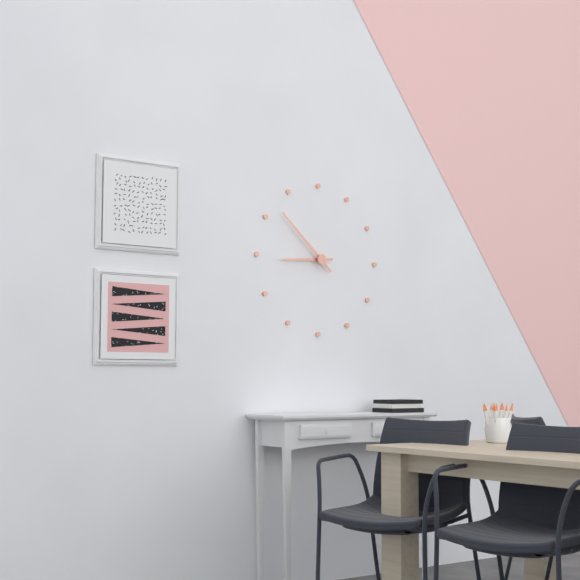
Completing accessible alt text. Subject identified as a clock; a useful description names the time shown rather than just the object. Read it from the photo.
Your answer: 8:52
